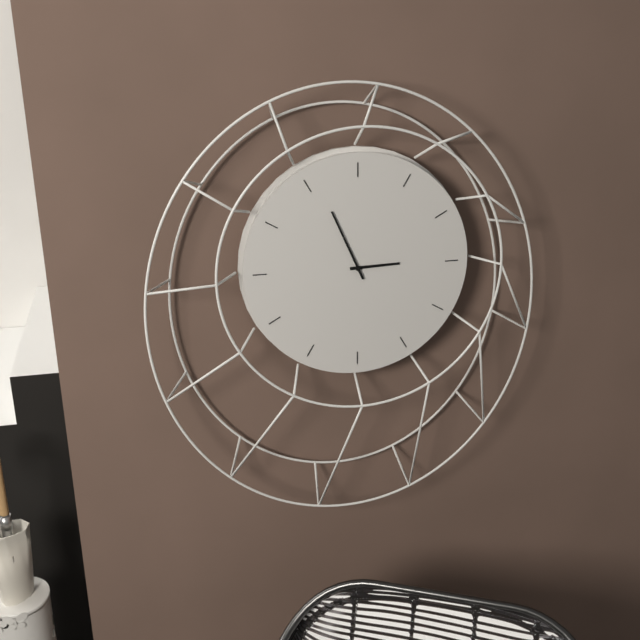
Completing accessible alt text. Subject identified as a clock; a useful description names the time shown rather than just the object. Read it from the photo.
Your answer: 2:56
